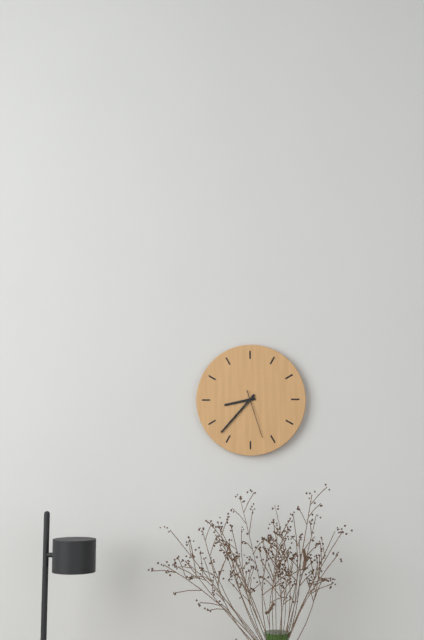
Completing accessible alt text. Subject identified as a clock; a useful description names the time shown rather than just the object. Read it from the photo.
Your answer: 8:37
